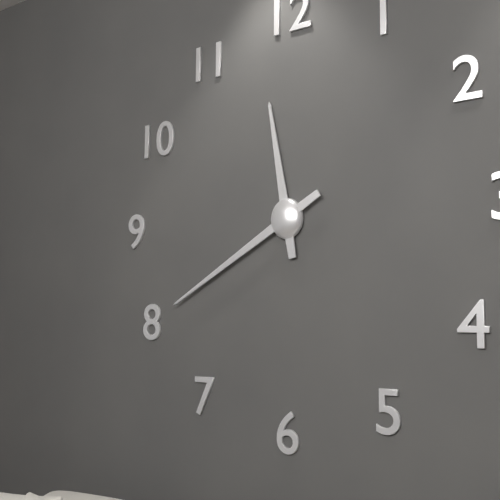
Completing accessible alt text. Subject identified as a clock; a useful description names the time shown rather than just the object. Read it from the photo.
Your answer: 11:40
